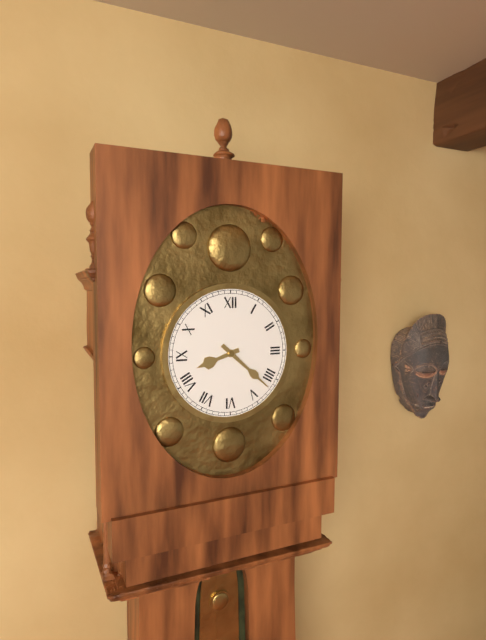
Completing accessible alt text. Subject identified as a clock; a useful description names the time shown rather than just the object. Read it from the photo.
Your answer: 8:22
